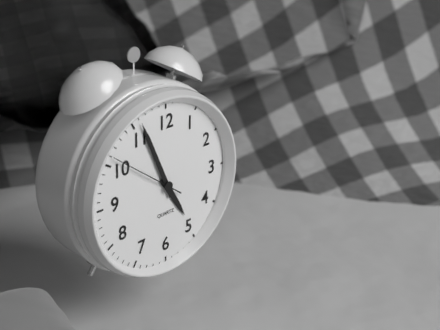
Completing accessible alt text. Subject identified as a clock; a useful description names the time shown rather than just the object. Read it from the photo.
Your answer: 4:56:51
